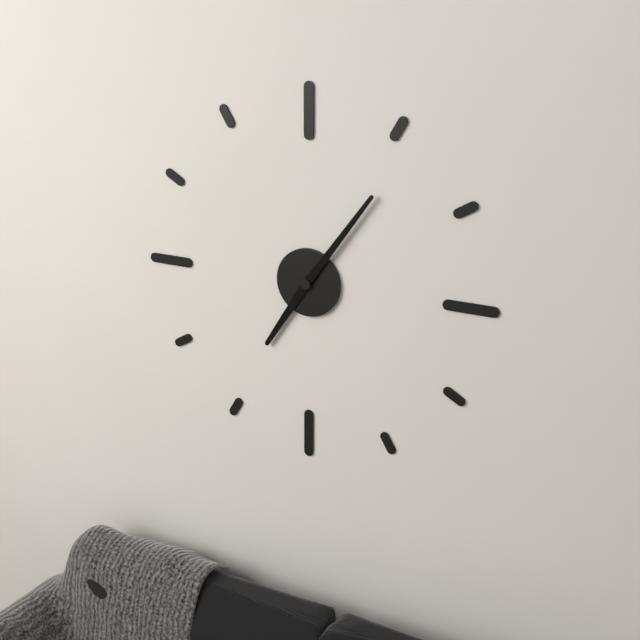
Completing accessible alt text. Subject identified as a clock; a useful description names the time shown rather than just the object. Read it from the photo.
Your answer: 7:06
